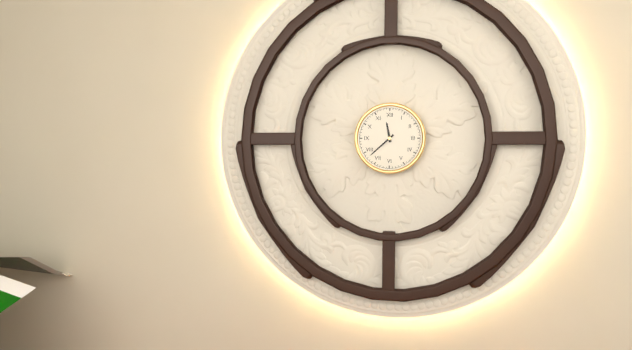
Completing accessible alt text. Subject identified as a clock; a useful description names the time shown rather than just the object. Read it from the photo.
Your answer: 11:38
